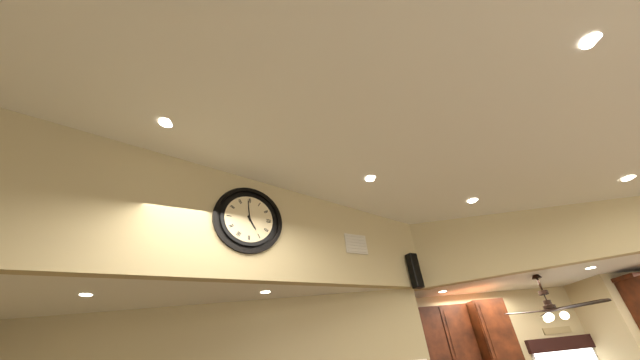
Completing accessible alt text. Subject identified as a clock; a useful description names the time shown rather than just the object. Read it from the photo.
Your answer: 4:59
